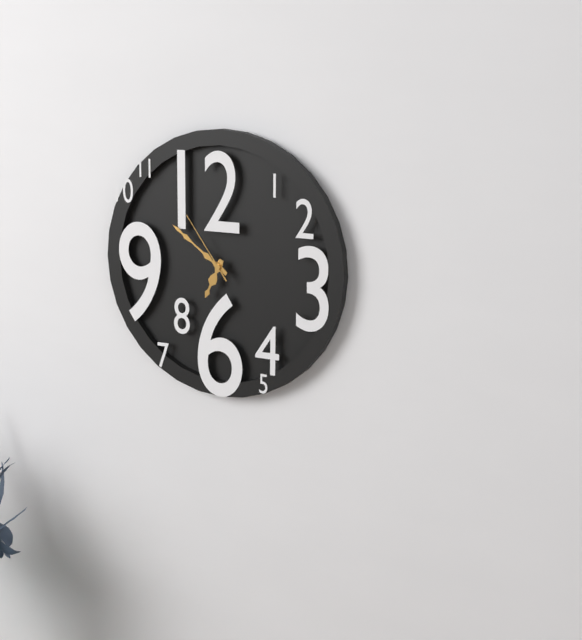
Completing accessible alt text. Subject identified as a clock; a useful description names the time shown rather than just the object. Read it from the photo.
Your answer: 6:51:54
